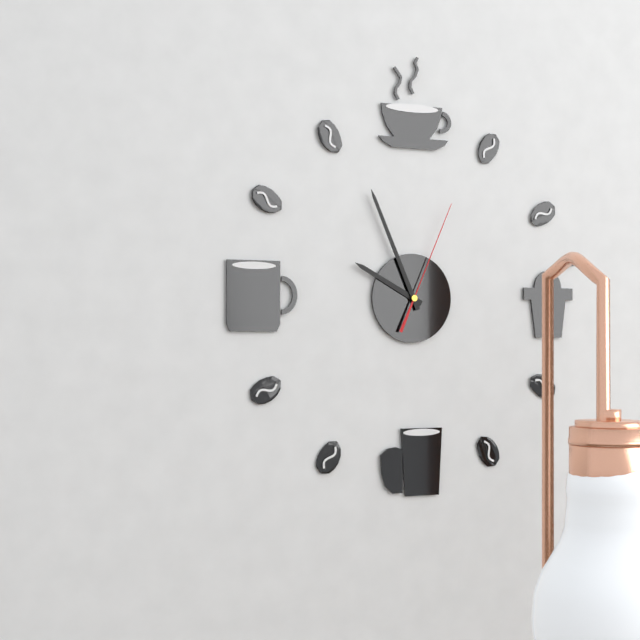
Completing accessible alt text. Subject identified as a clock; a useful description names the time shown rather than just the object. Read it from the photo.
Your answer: 9:56:04
